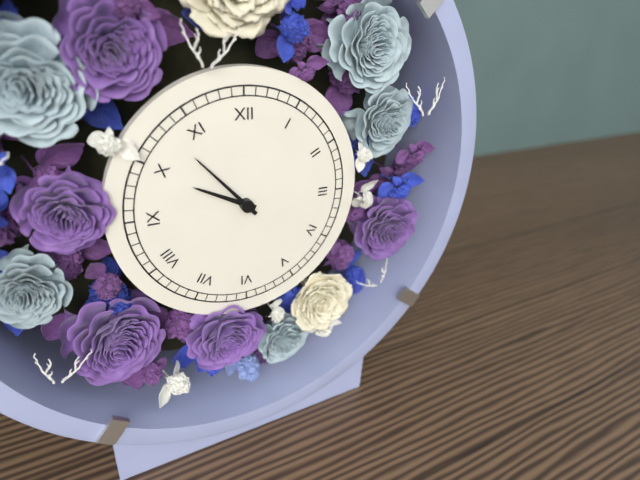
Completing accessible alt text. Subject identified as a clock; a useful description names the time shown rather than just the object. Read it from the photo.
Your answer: 9:53
